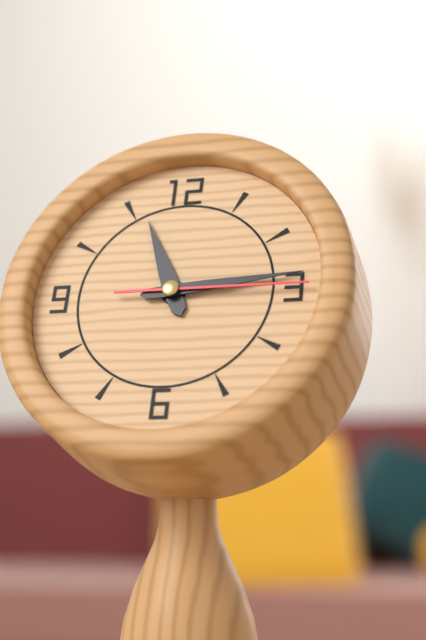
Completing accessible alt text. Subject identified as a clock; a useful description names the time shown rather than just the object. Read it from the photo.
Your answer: 11:14:15
